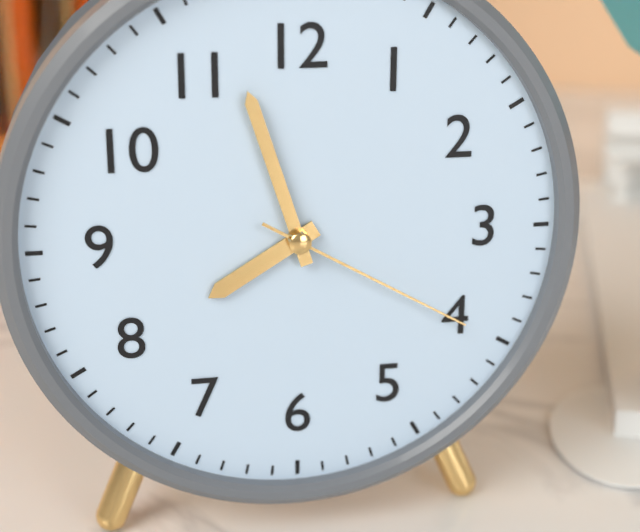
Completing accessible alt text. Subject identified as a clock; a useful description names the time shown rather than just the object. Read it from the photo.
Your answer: 7:57:20
